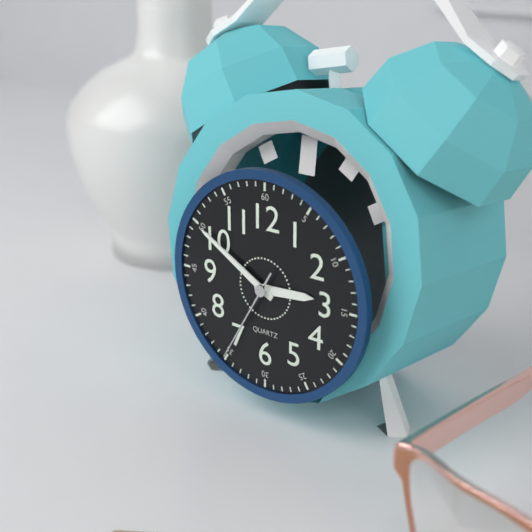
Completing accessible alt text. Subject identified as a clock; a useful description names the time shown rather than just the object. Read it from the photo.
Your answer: 2:50:35
